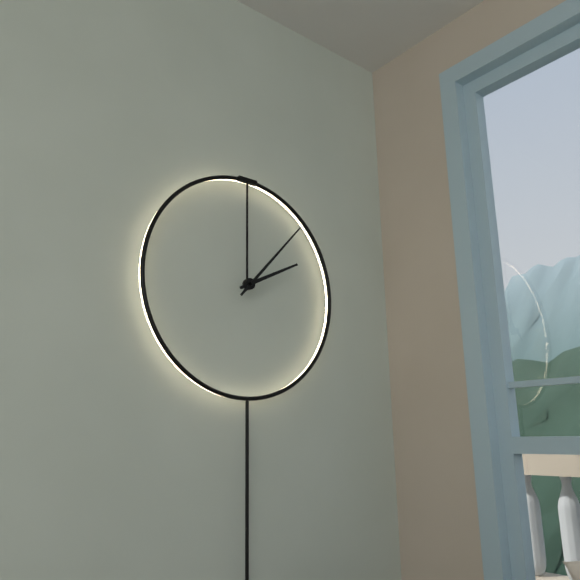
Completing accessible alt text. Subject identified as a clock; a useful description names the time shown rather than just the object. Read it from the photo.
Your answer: 2:07
